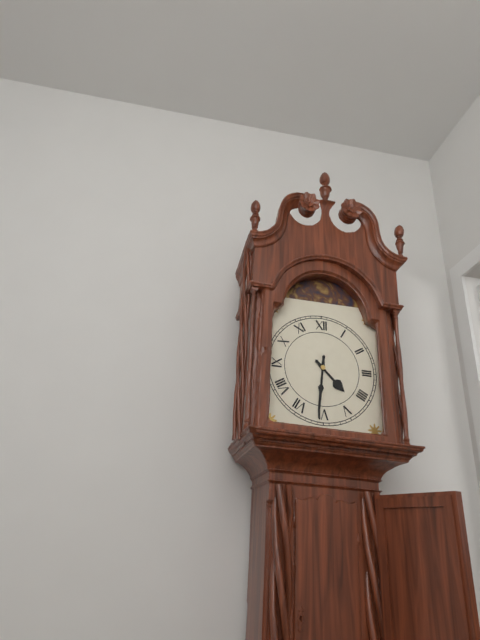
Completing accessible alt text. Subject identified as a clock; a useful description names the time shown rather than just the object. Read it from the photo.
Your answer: 4:31
